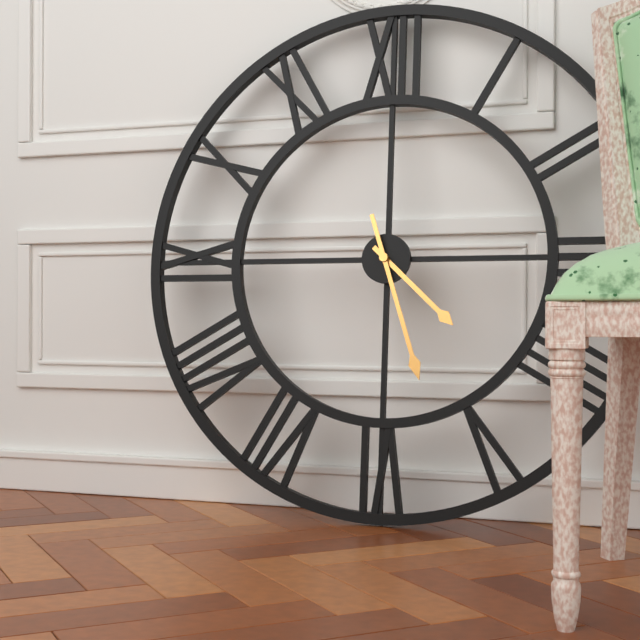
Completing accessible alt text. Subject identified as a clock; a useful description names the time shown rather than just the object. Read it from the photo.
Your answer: 4:27
